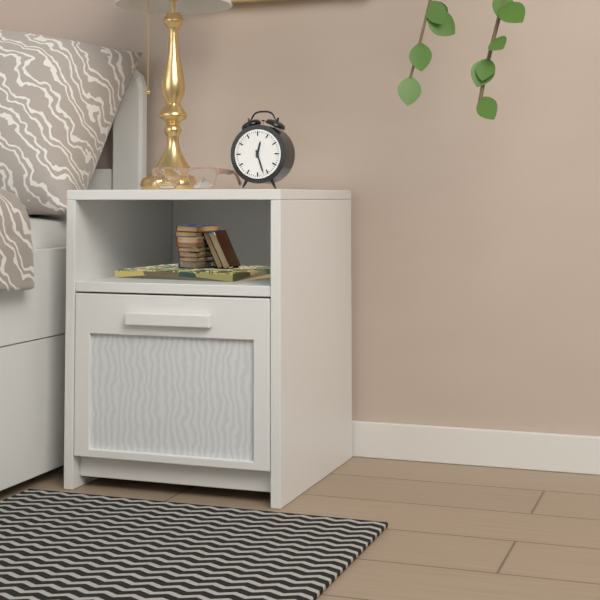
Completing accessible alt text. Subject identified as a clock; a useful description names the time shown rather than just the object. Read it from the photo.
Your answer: 12:27
